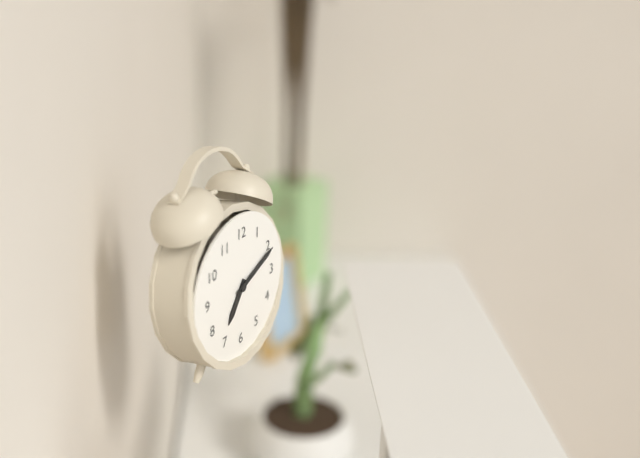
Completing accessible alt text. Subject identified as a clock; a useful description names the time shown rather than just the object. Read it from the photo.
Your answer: 7:11
